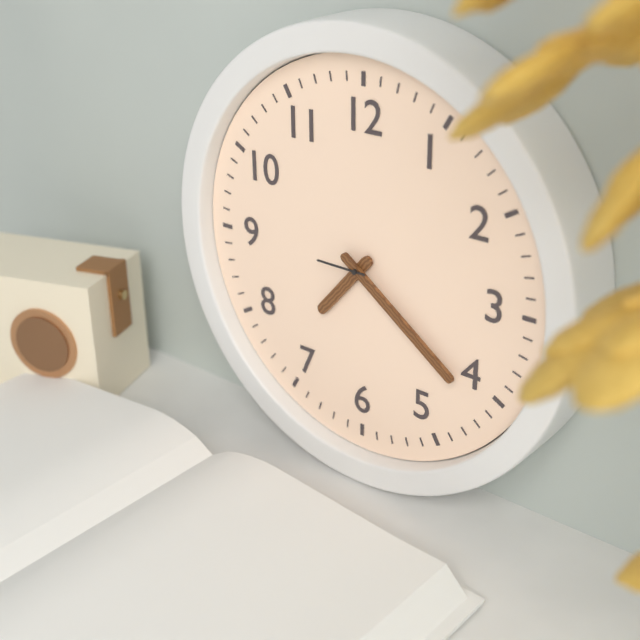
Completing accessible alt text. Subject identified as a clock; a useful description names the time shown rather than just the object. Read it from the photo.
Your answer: 7:21
